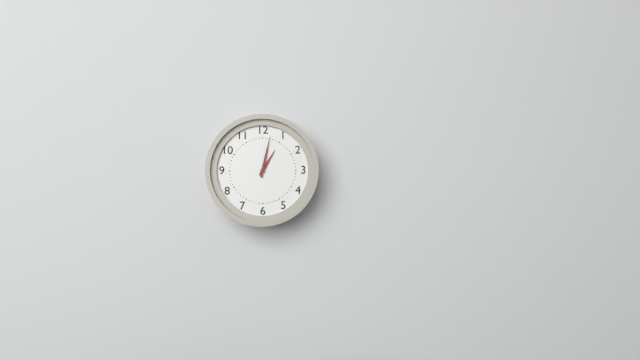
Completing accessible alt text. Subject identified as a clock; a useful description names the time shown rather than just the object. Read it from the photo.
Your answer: 1:02
